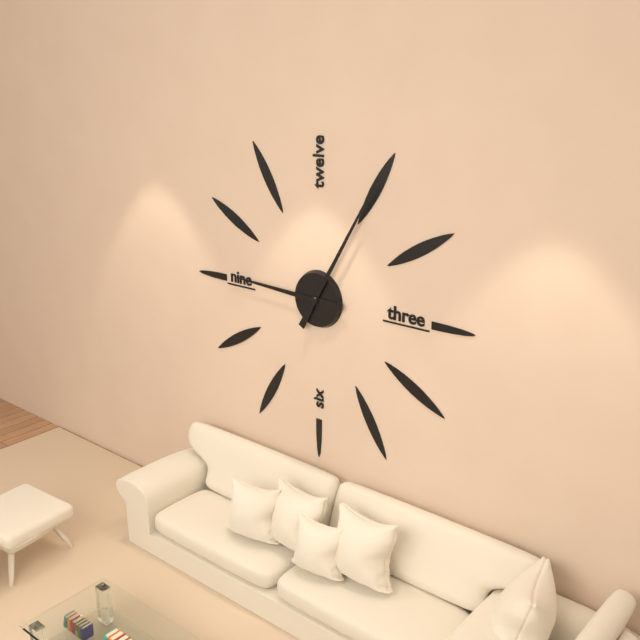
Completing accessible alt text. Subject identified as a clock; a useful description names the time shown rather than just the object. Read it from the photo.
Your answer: 9:05
